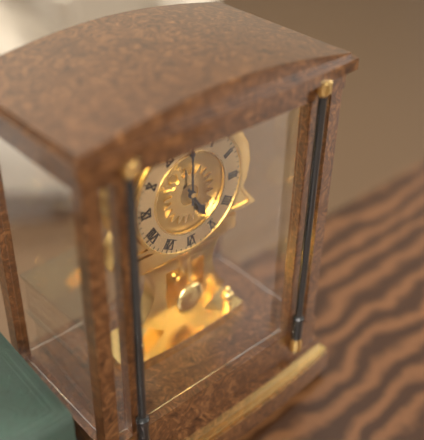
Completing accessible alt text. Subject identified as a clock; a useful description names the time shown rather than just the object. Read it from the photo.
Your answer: 5:00
